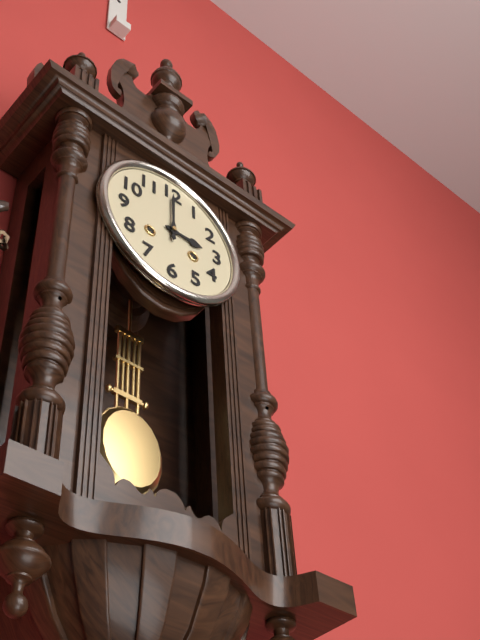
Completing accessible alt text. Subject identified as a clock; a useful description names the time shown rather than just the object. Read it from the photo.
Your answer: 3:00
